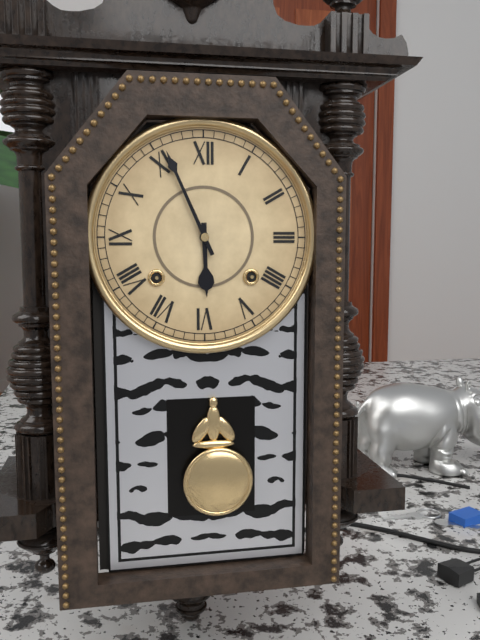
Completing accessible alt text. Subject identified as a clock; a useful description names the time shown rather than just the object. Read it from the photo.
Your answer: 5:56
